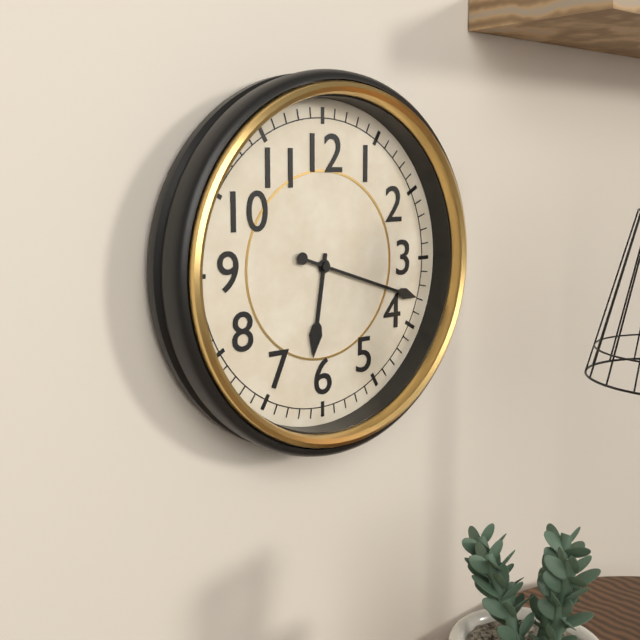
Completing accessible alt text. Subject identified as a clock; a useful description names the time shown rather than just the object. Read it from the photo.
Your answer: 6:18
